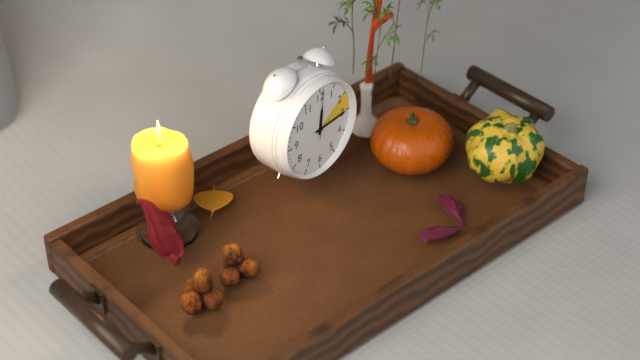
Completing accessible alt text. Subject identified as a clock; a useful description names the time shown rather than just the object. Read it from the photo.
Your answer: 12:15:01
